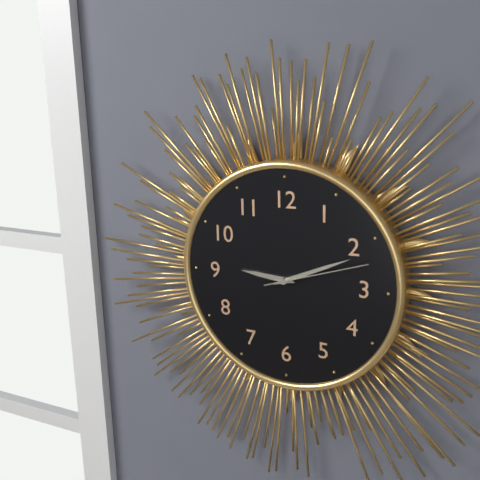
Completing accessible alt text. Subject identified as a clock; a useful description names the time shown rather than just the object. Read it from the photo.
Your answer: 9:11:12
